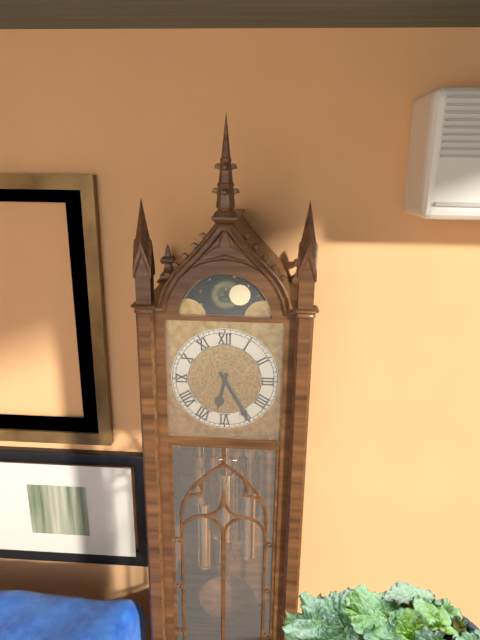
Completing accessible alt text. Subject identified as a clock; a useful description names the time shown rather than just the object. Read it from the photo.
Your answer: 6:25
